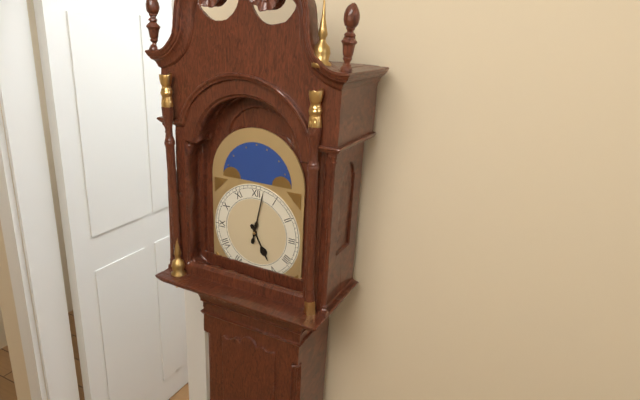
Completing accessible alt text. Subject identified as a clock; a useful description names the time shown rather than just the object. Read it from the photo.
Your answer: 5:02
